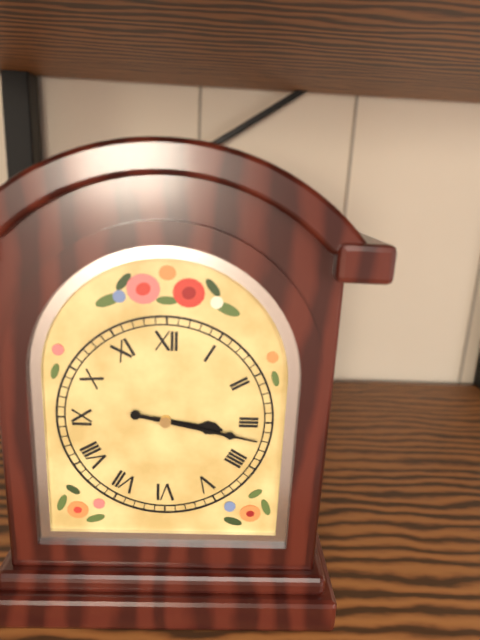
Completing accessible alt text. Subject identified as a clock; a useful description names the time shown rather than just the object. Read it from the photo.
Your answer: 3:17
